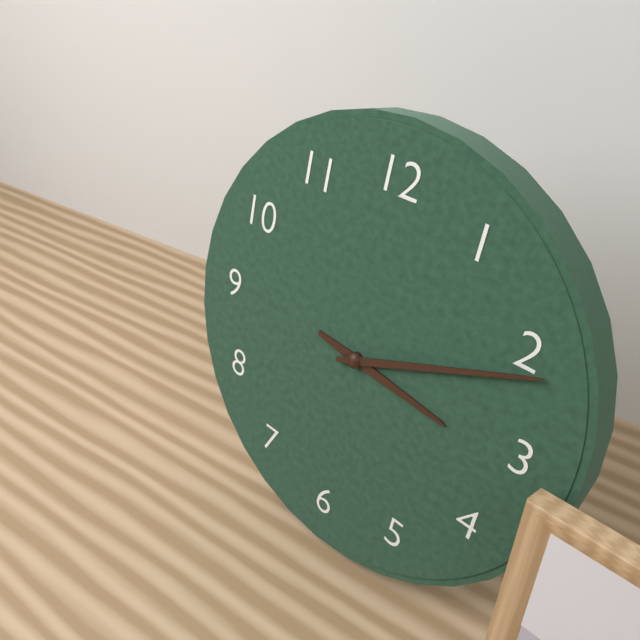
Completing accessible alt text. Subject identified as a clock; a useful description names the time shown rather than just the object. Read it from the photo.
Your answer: 3:11
